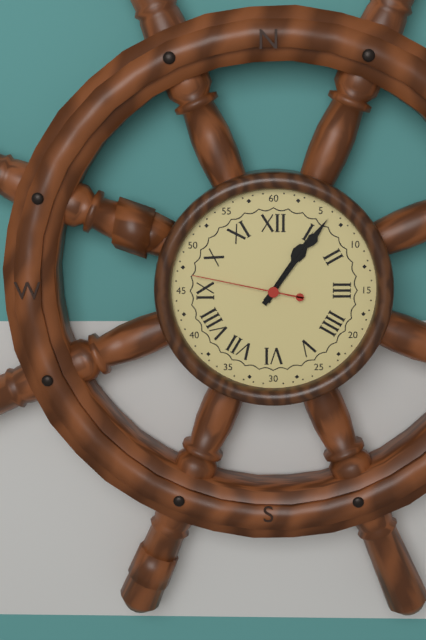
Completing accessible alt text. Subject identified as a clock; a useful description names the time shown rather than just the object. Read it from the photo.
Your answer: 1:06:47
